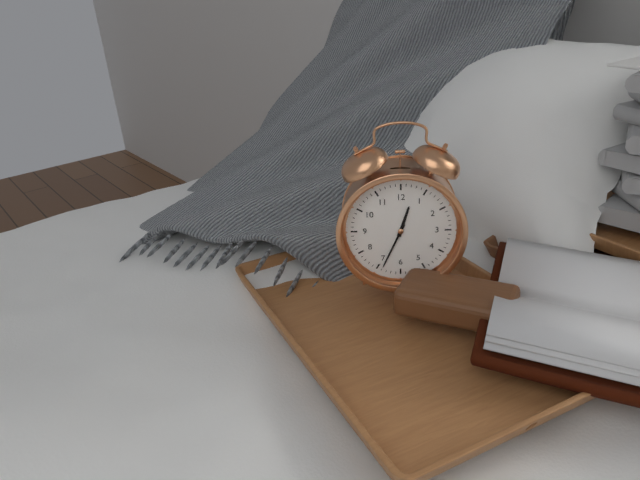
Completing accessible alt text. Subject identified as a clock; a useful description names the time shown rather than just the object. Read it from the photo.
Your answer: 12:34
